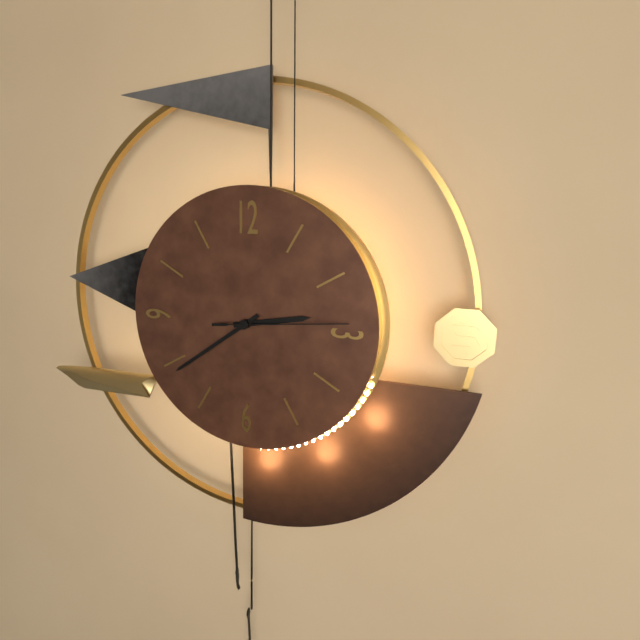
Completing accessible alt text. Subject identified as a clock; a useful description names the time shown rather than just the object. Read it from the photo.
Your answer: 2:39:14
